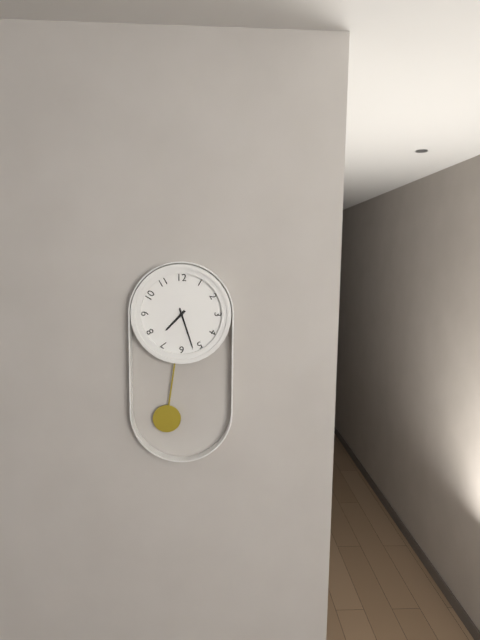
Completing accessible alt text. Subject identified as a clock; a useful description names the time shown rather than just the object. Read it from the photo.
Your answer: 7:27
